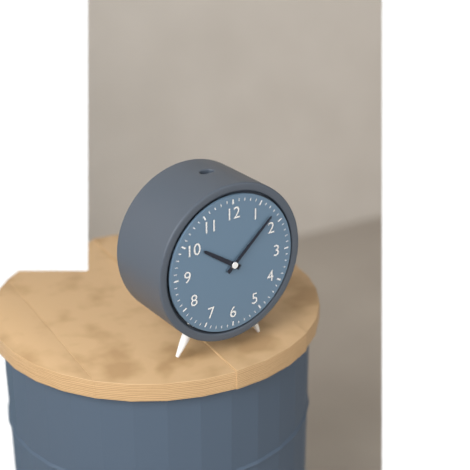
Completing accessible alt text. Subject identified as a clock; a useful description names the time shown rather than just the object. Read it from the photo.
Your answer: 10:08
